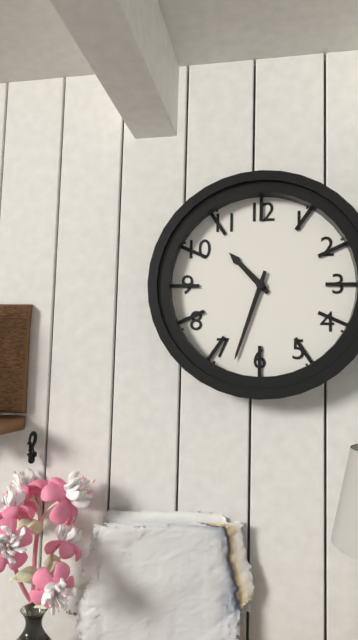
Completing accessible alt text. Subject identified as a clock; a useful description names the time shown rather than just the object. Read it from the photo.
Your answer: 10:33
